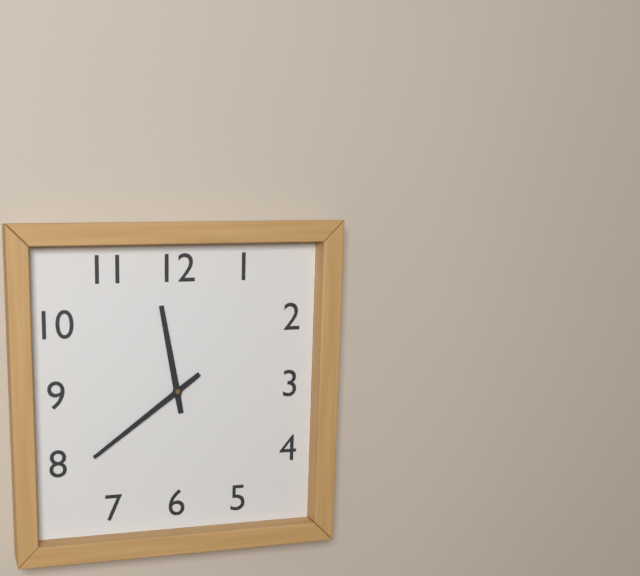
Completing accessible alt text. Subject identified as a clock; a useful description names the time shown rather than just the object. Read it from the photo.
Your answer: 11:39
